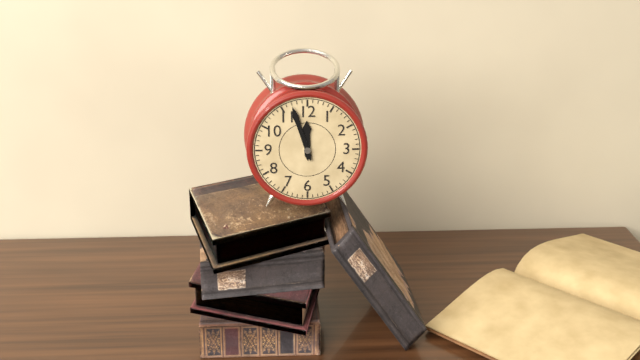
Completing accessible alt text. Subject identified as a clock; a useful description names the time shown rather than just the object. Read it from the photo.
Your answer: 11:57
